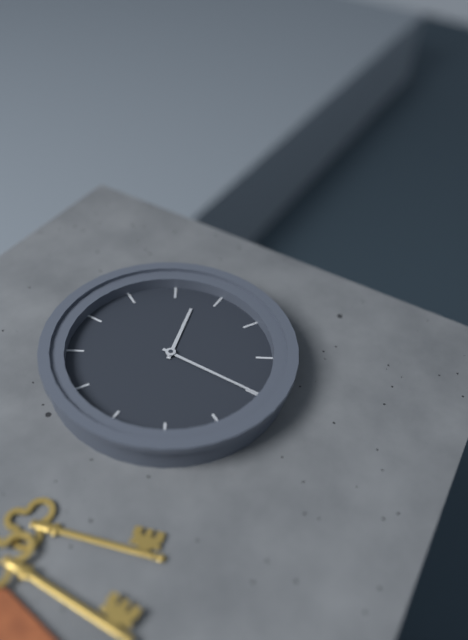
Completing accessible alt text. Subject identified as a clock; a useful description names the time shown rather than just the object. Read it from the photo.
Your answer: 2:30
